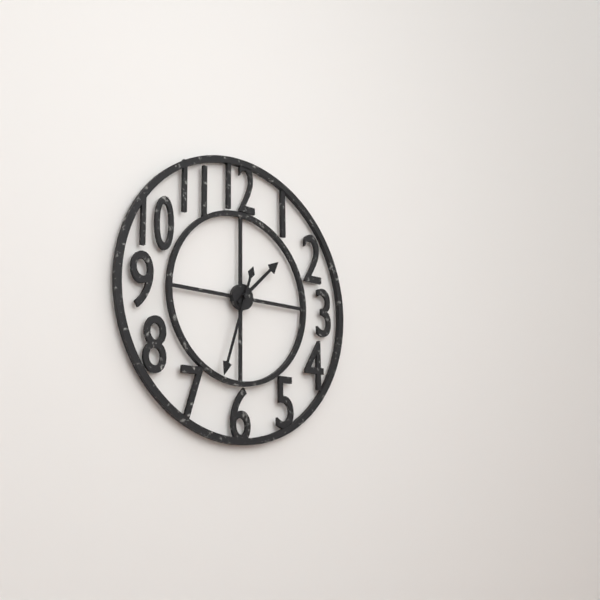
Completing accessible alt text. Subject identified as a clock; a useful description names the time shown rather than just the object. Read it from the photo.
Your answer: 1:33
